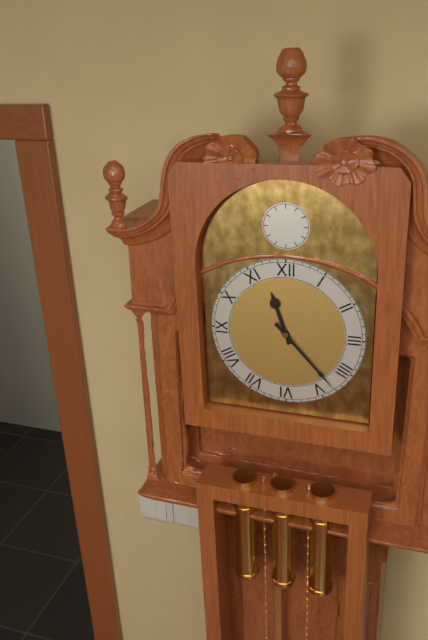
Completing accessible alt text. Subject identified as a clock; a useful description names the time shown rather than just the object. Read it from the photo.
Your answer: 11:23
